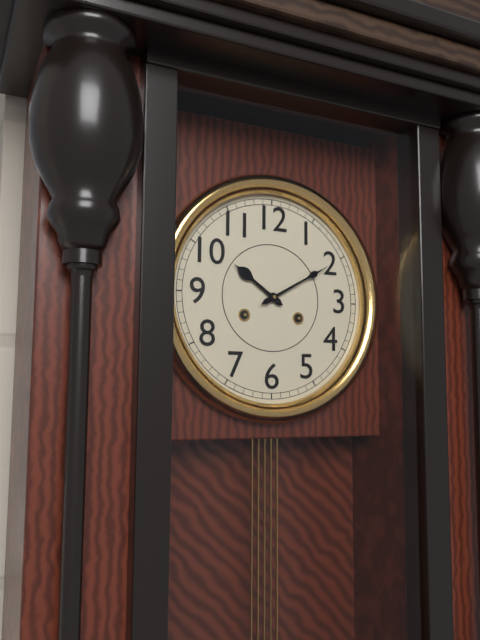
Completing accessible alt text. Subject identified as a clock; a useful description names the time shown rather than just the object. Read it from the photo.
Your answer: 10:10
